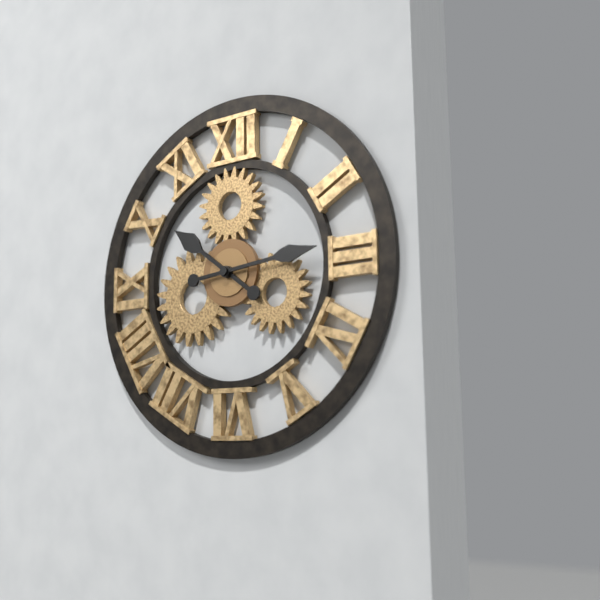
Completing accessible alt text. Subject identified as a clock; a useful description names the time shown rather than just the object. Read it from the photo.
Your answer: 10:14
